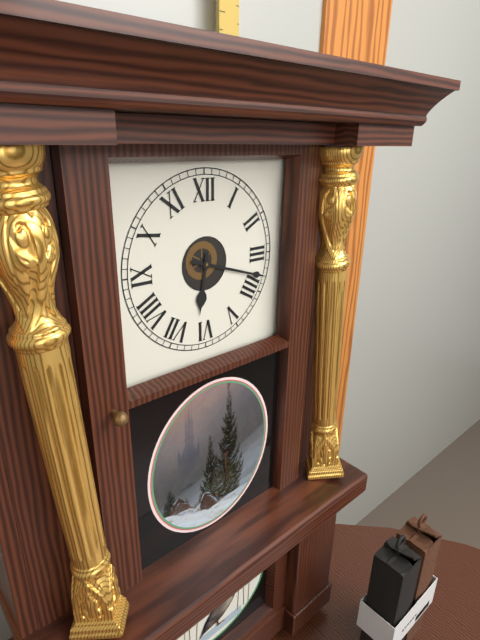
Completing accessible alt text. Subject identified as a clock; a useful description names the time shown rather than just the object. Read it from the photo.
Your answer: 6:18
